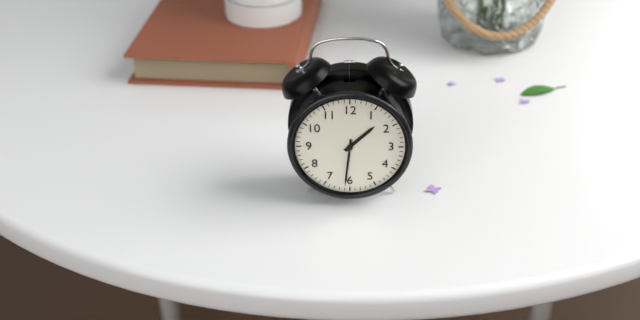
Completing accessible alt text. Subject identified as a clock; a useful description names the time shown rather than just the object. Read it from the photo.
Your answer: 1:31
